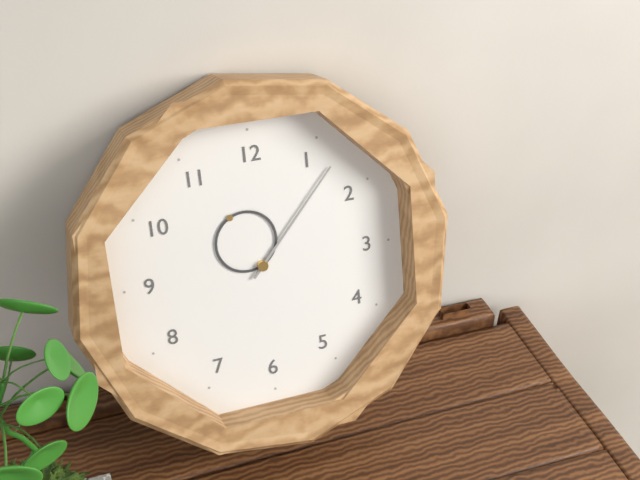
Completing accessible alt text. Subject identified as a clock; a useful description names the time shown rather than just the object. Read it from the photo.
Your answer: 11:07
